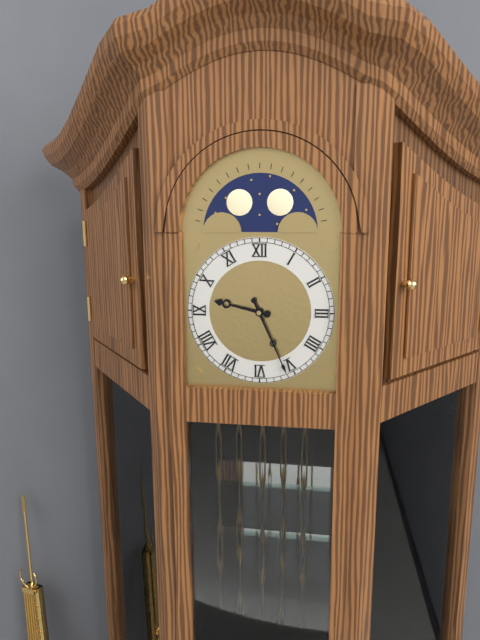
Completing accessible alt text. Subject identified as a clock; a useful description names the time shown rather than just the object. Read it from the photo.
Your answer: 9:26
